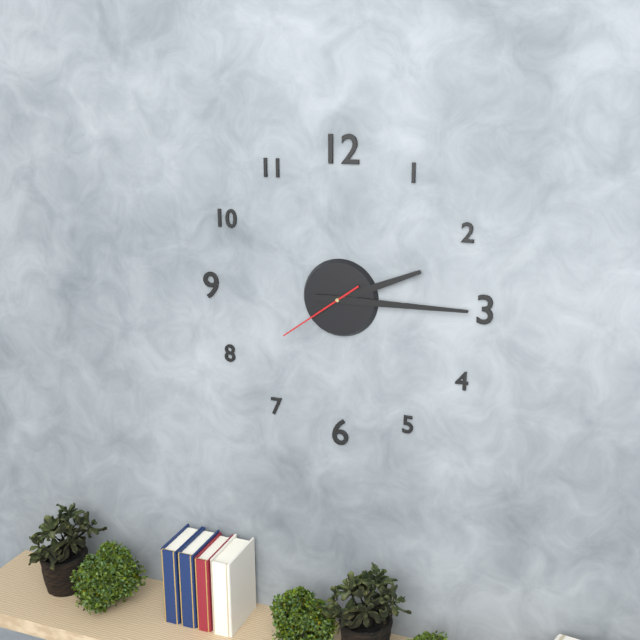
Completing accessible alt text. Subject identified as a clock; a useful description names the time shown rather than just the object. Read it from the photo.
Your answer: 2:15:39
